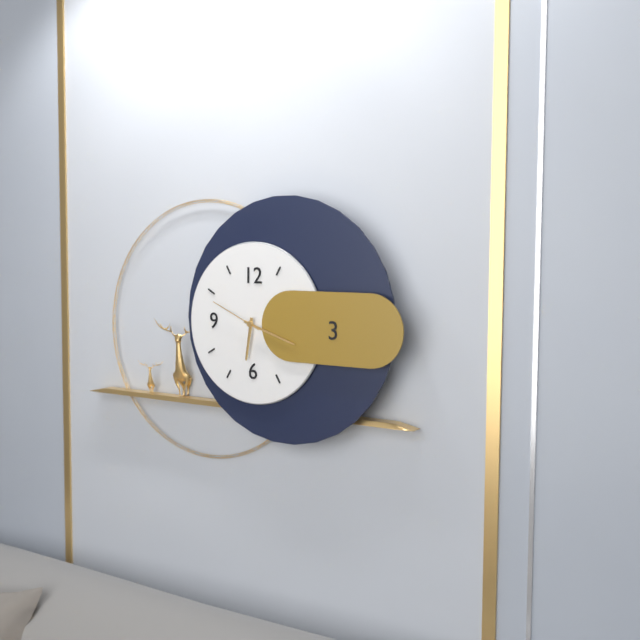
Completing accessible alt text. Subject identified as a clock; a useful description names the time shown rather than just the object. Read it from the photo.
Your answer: 6:18:49
